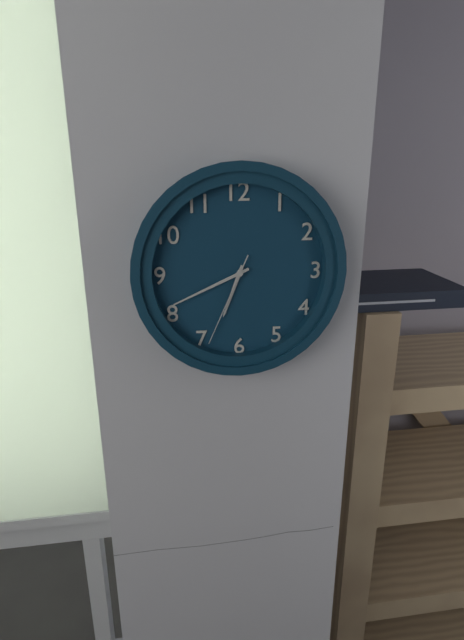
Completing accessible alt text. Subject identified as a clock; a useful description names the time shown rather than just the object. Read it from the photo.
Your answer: 6:41:34
